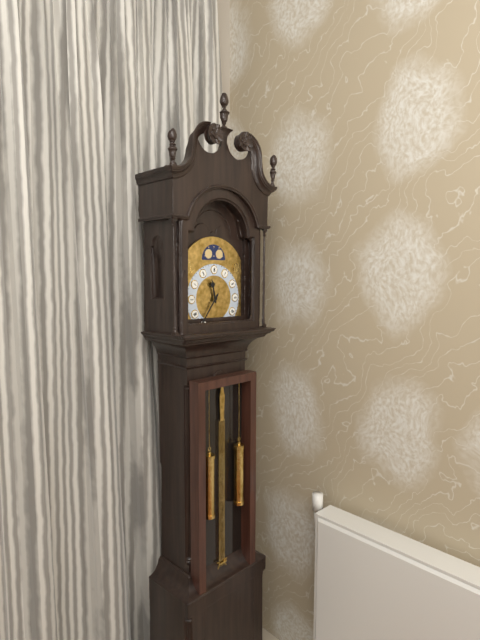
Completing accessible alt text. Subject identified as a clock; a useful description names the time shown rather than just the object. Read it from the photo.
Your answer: 11:36
